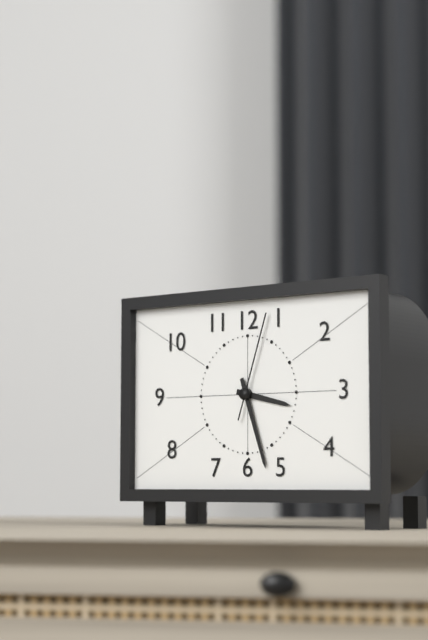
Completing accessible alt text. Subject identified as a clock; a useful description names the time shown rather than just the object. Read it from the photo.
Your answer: 3:27:03
